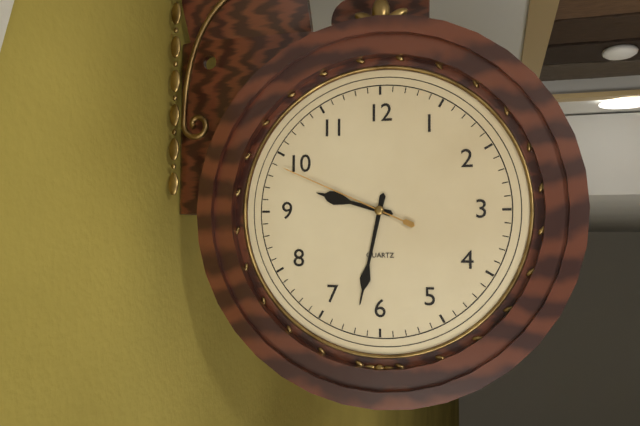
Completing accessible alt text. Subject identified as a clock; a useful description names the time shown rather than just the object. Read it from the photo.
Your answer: 9:32:49
